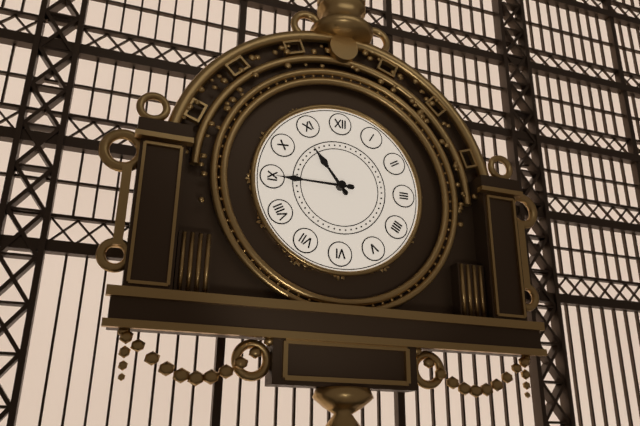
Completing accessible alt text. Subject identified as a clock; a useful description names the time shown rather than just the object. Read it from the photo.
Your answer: 10:45
